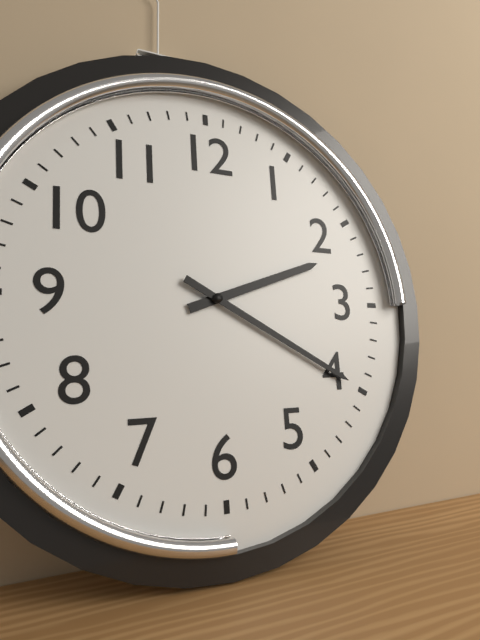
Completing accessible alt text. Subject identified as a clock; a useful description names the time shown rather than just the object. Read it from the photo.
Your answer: 2:20
